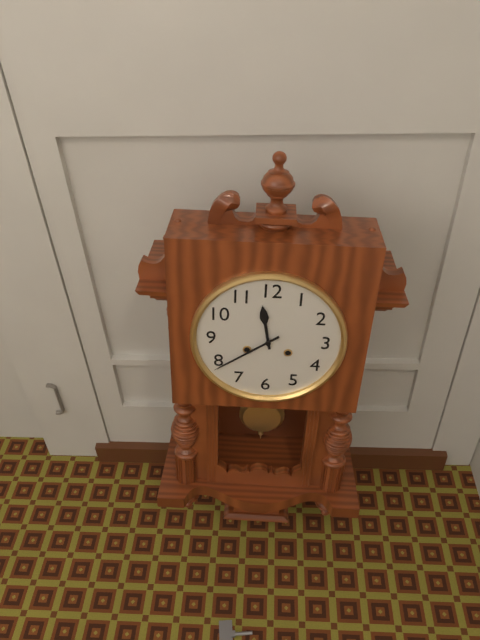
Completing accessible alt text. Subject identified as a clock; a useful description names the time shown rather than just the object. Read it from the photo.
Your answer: 11:39
